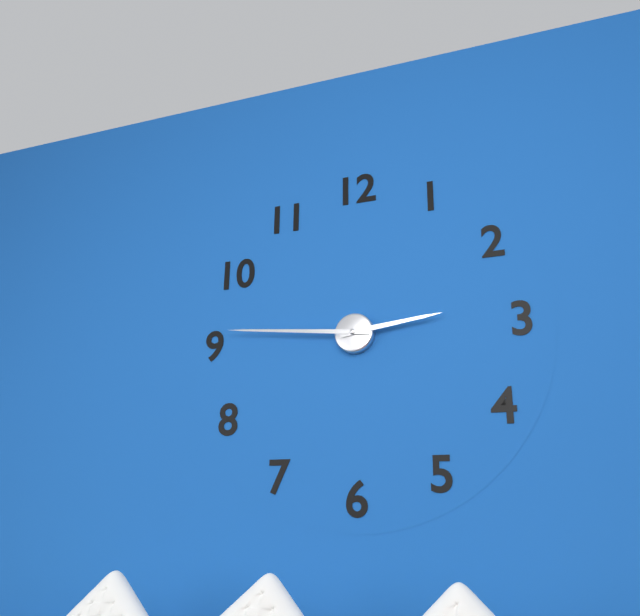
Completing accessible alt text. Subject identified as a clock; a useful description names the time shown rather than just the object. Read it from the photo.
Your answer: 2:46
